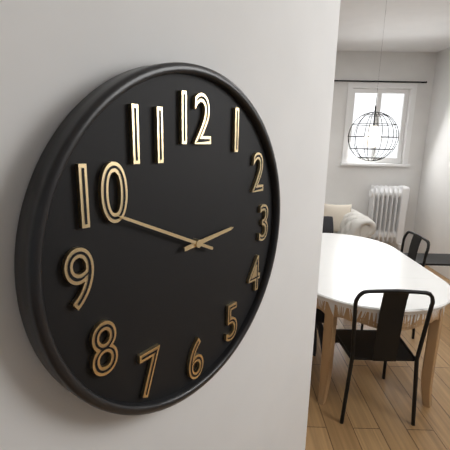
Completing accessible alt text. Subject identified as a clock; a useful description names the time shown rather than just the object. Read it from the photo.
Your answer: 2:49
